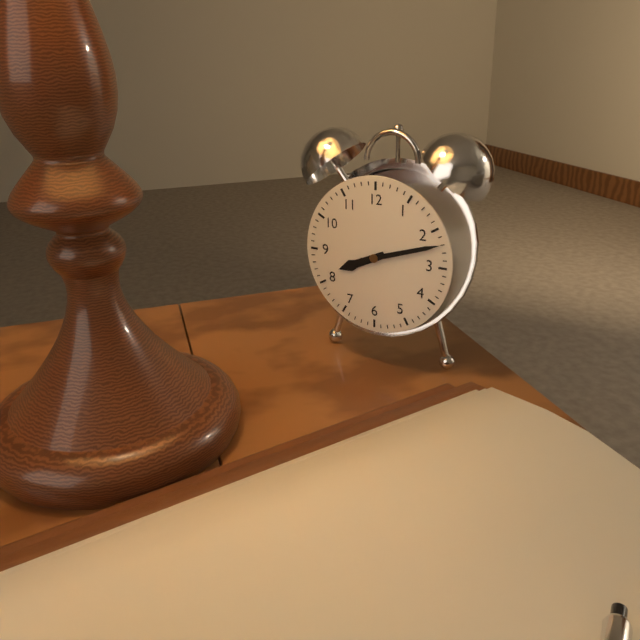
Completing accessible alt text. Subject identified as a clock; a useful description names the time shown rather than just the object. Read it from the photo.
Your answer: 8:12
